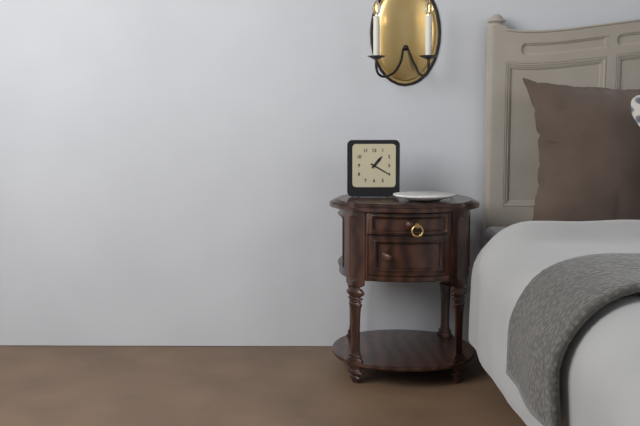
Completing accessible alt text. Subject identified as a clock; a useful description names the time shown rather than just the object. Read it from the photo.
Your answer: 1:20
